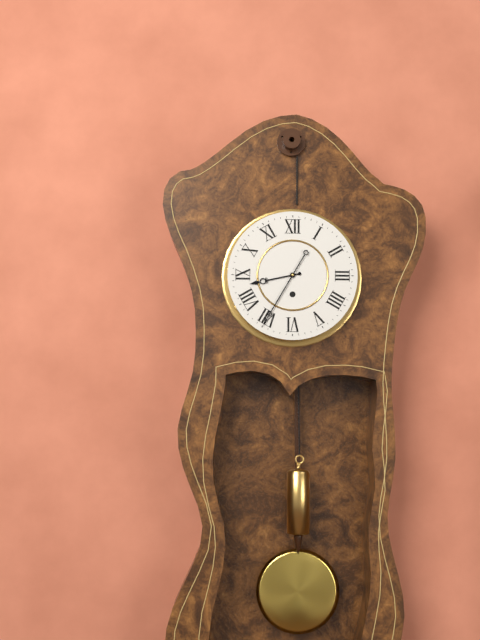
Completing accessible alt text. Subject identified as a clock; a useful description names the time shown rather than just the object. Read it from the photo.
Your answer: 8:35
